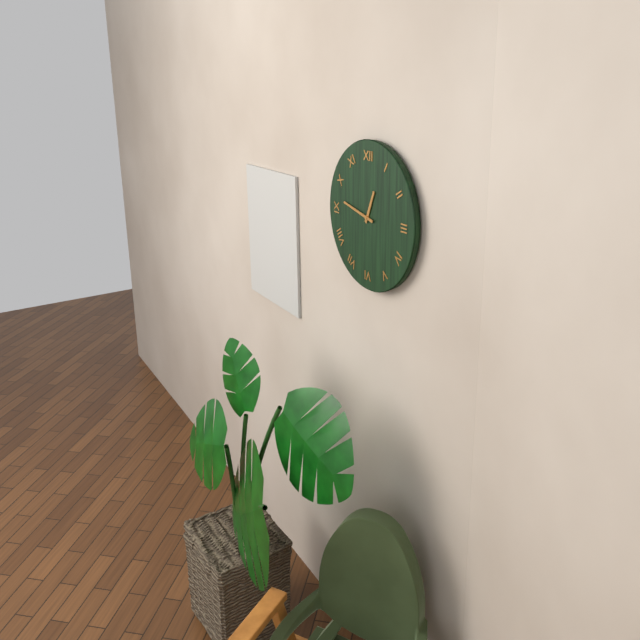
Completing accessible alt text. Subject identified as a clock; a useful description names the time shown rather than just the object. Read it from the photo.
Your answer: 12:47
